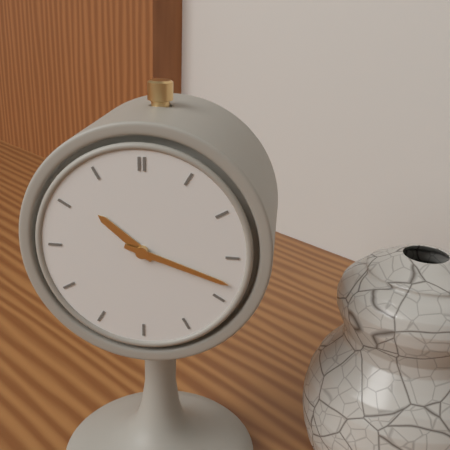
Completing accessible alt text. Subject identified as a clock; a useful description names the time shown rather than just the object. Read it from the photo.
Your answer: 10:18
